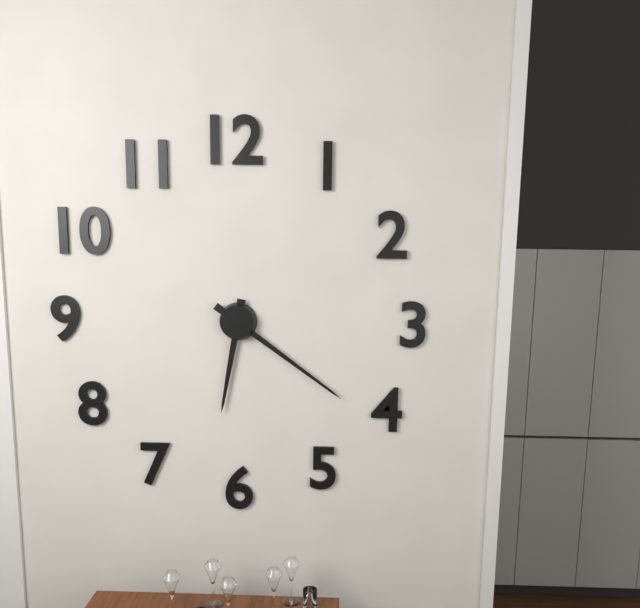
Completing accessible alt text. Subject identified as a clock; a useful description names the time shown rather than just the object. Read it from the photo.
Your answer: 6:21
